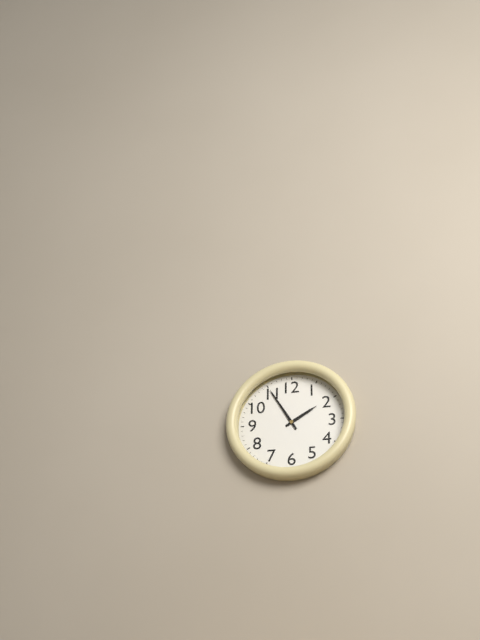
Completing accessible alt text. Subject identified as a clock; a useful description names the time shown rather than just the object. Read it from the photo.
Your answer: 1:55
